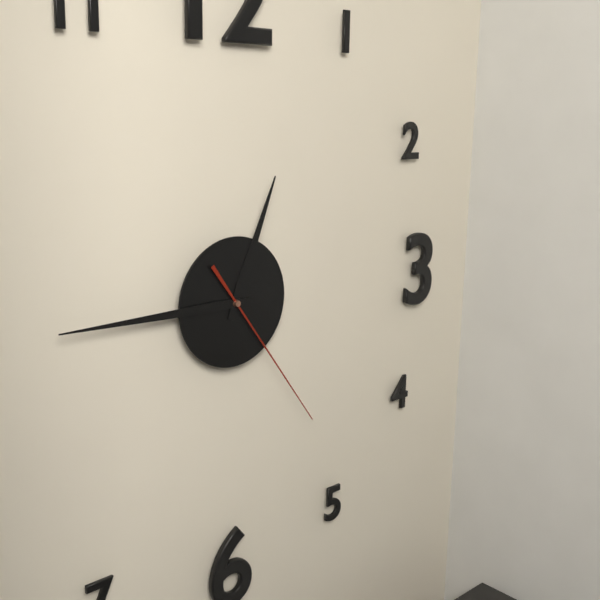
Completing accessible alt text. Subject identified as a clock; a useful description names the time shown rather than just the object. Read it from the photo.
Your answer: 12:45:24
